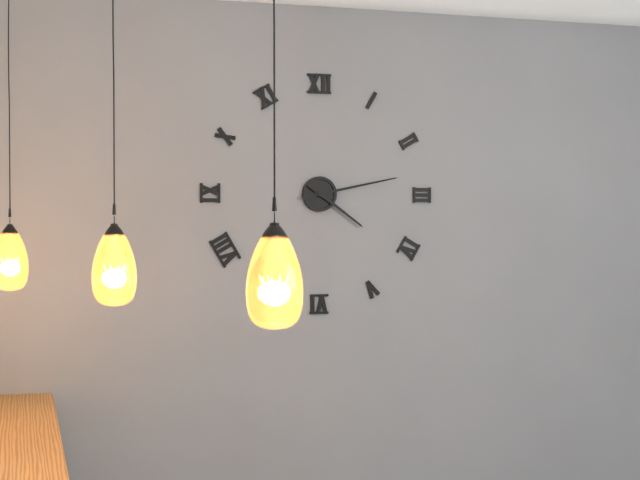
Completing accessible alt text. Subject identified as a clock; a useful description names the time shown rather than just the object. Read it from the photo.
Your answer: 4:13
